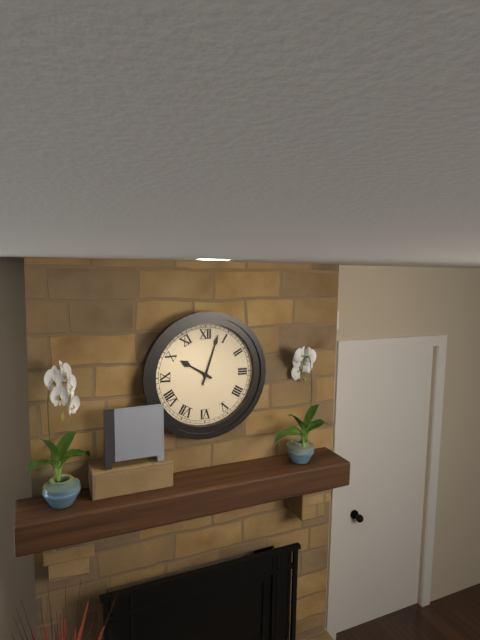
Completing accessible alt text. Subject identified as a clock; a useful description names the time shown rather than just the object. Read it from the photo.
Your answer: 10:03
